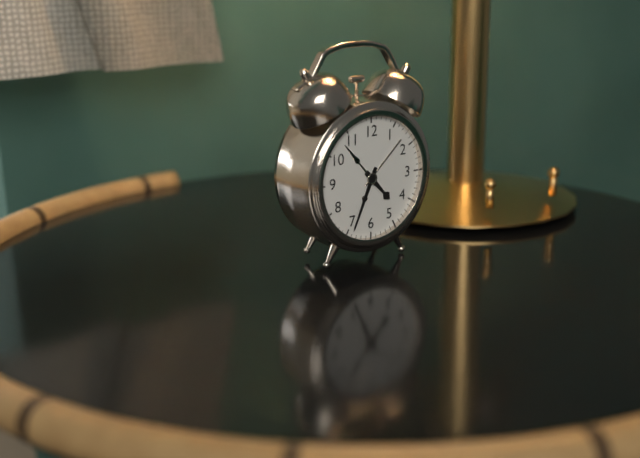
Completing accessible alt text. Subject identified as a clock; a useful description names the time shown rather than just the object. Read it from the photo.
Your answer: 4:34
